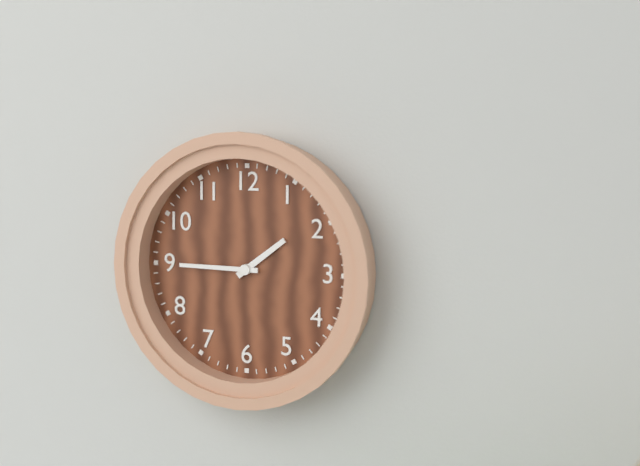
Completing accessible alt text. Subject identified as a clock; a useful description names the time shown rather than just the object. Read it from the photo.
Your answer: 1:45
